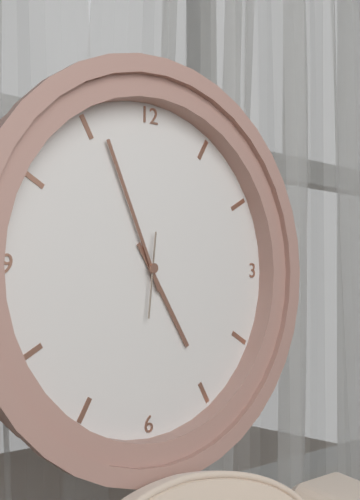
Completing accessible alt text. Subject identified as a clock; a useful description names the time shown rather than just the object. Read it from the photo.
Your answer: 4:56:31
